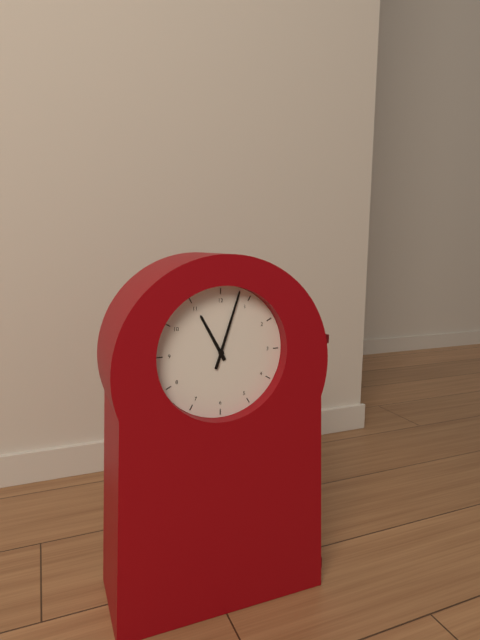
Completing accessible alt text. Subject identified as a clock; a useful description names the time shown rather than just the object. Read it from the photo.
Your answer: 11:03
